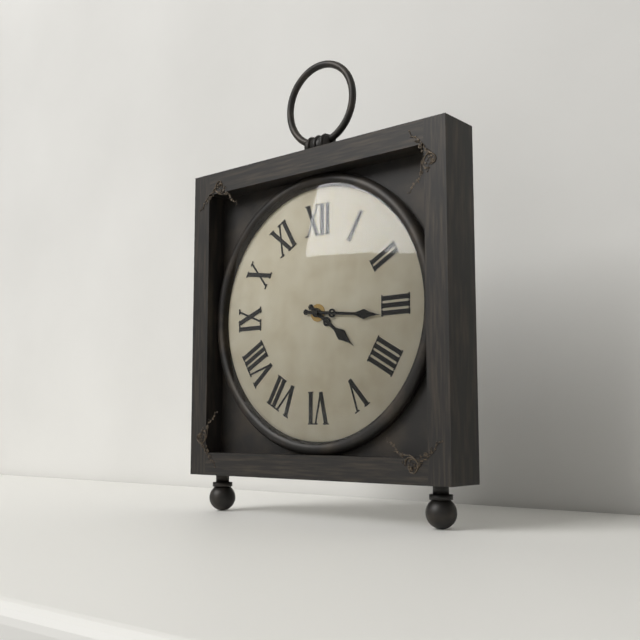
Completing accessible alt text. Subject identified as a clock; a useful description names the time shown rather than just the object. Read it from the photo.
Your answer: 4:16
